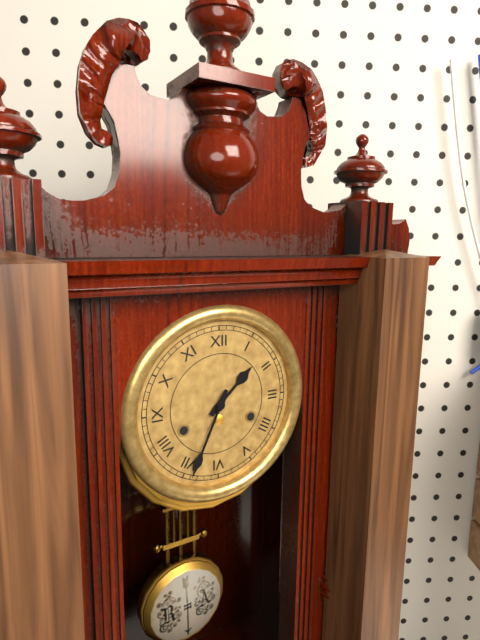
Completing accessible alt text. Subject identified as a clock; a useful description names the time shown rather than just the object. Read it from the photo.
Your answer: 1:34
